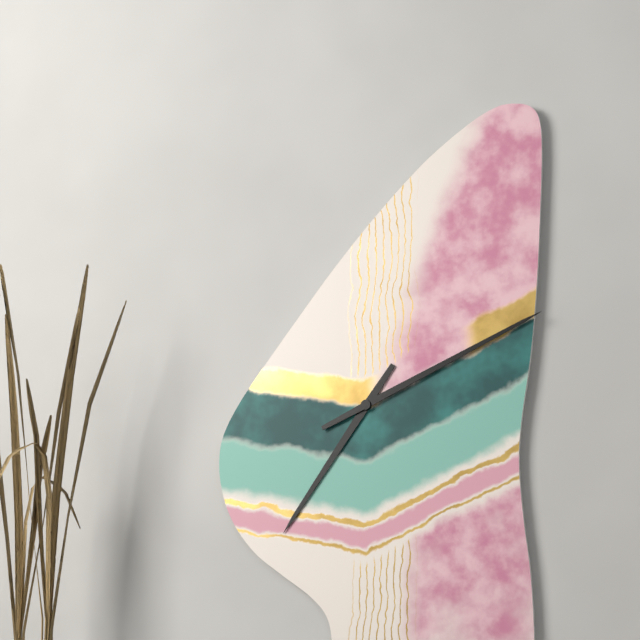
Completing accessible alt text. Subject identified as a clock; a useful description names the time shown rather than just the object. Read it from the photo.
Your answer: 7:11
